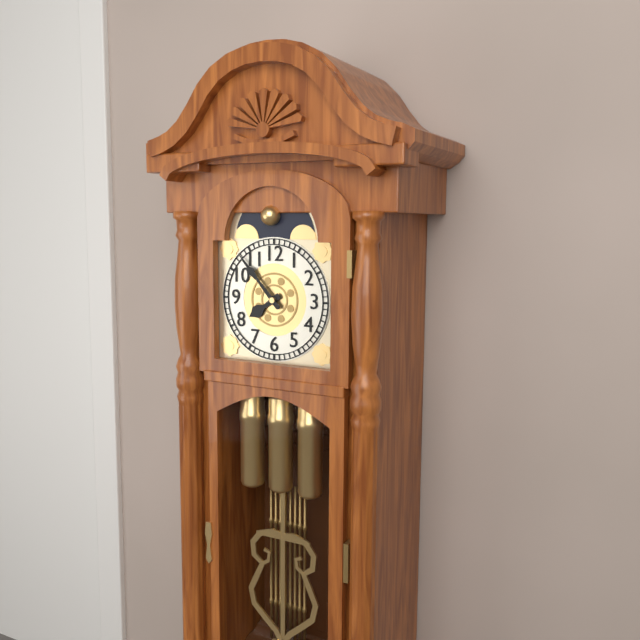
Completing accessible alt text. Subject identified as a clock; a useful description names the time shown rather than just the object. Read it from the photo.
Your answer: 7:53
